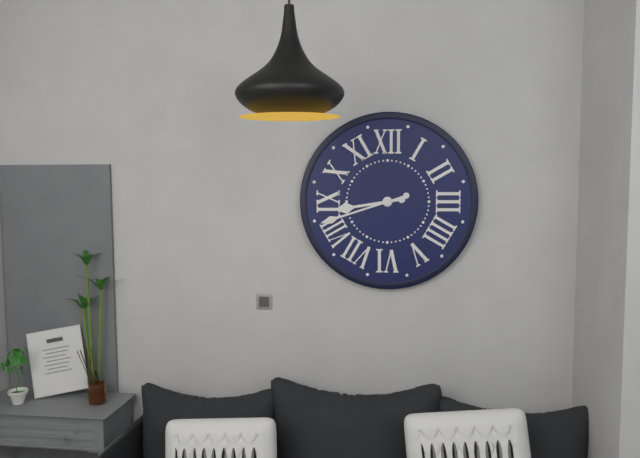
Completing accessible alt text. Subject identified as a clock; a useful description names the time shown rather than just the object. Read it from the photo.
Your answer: 8:42
